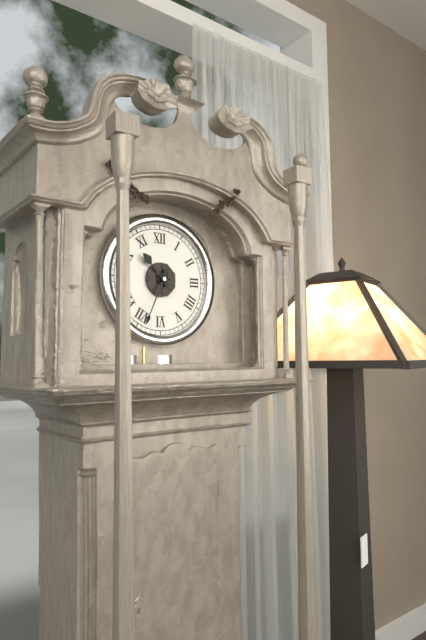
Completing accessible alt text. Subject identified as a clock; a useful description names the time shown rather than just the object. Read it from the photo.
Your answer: 10:34
